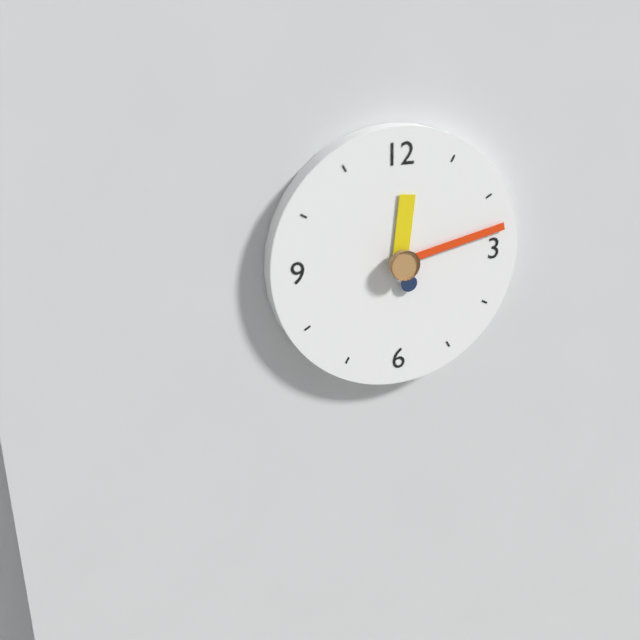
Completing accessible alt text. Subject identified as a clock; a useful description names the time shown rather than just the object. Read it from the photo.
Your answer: 12:13
